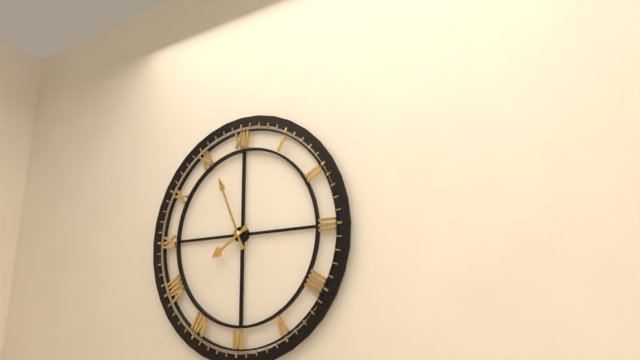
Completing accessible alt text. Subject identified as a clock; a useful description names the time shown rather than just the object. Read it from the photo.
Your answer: 7:56
